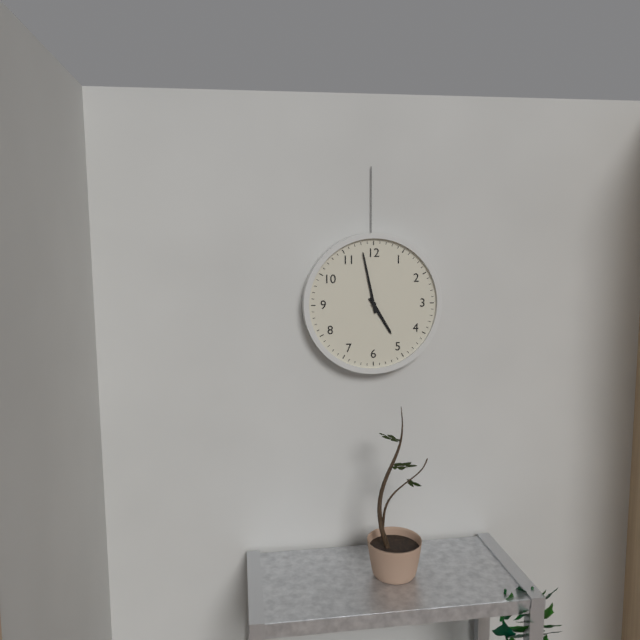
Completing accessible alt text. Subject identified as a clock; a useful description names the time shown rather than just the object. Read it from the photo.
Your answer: 4:58
